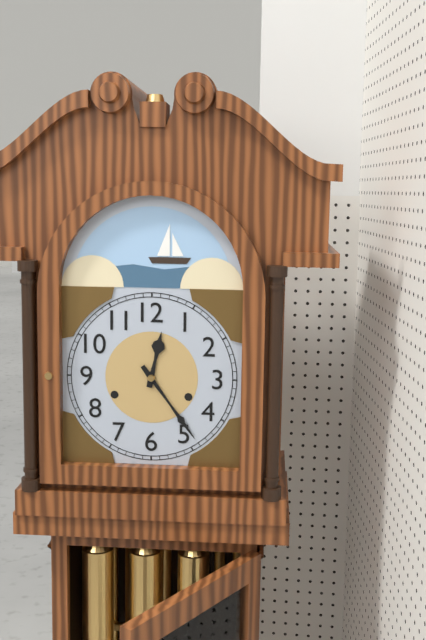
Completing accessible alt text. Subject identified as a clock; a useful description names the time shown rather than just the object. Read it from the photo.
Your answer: 12:24
